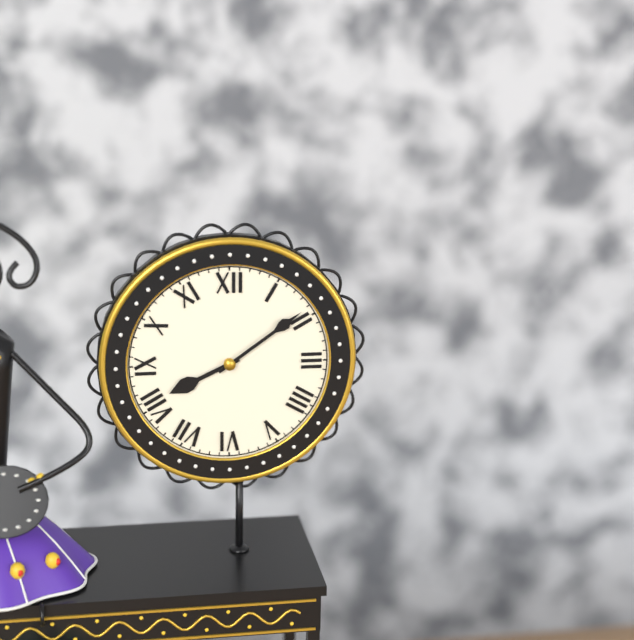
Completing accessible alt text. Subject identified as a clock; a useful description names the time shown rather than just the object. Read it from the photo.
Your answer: 8:09
